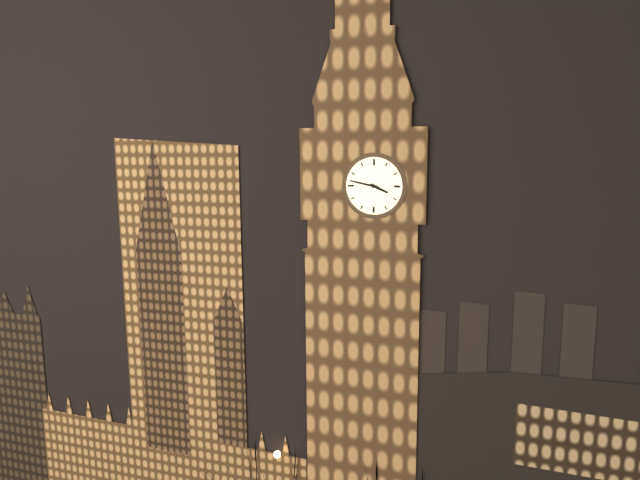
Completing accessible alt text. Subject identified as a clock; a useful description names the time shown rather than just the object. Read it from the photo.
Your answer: 3:47
